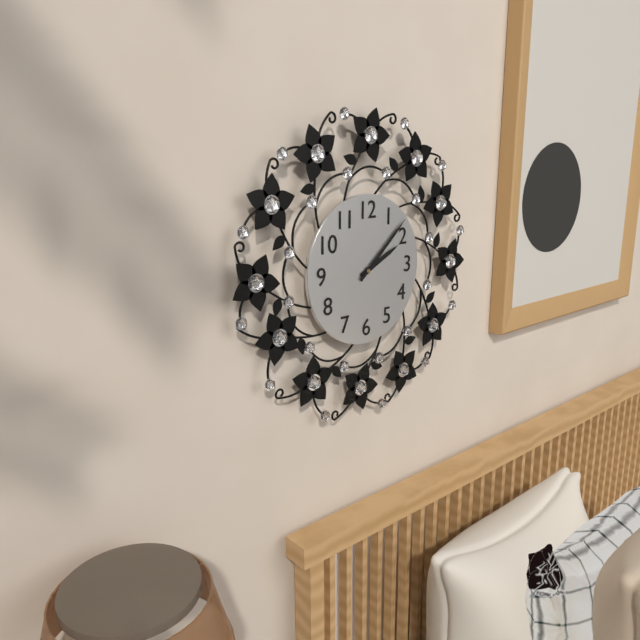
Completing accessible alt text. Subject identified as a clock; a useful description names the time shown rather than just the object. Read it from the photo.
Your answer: 2:08
